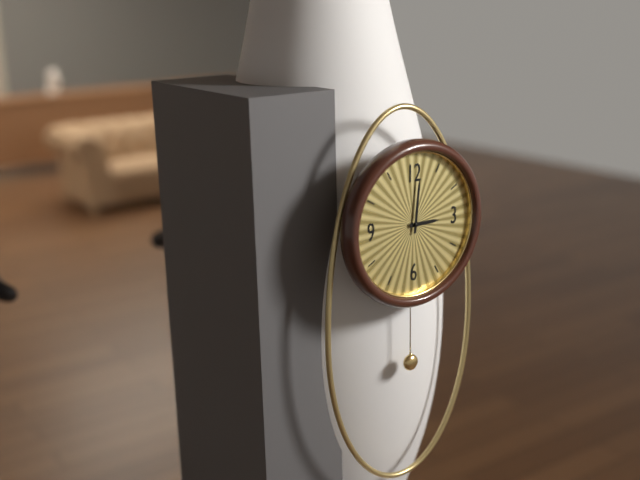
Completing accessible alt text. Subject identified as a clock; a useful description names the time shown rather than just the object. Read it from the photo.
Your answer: 3:01
